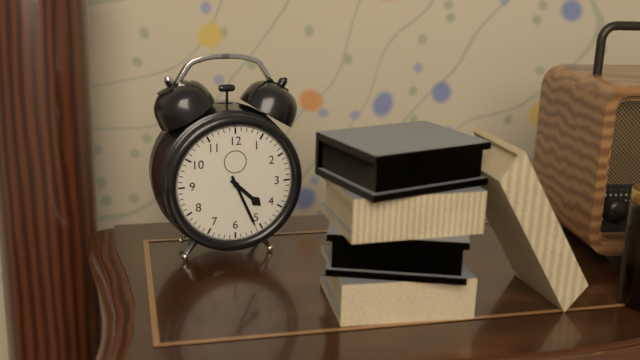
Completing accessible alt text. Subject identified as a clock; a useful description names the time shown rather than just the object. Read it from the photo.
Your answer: 4:26
